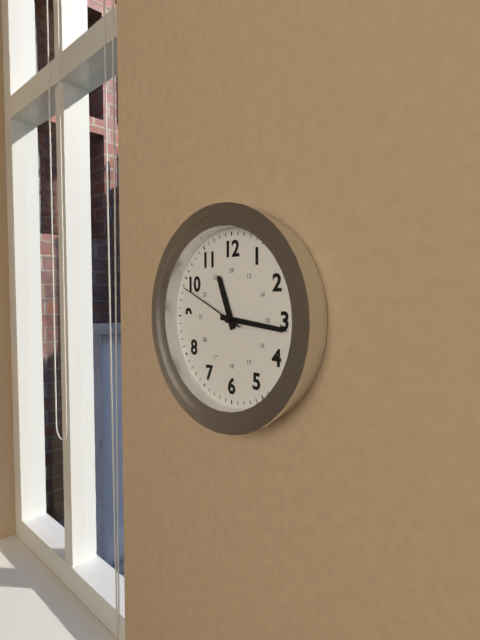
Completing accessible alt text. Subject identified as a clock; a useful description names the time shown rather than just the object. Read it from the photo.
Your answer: 11:16:49
